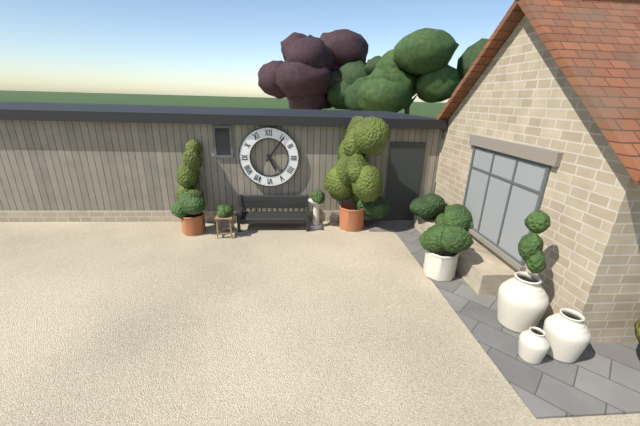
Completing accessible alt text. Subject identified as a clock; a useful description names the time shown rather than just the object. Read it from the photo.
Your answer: 5:06
